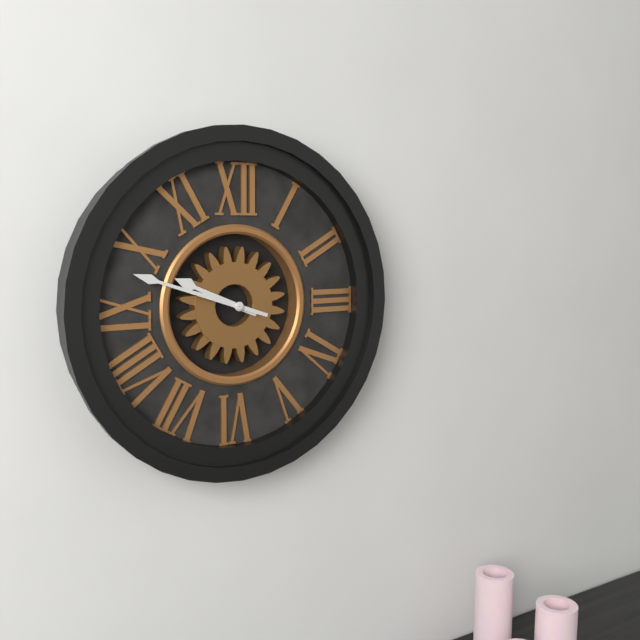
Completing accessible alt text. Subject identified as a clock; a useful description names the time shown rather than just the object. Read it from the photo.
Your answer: 9:48
